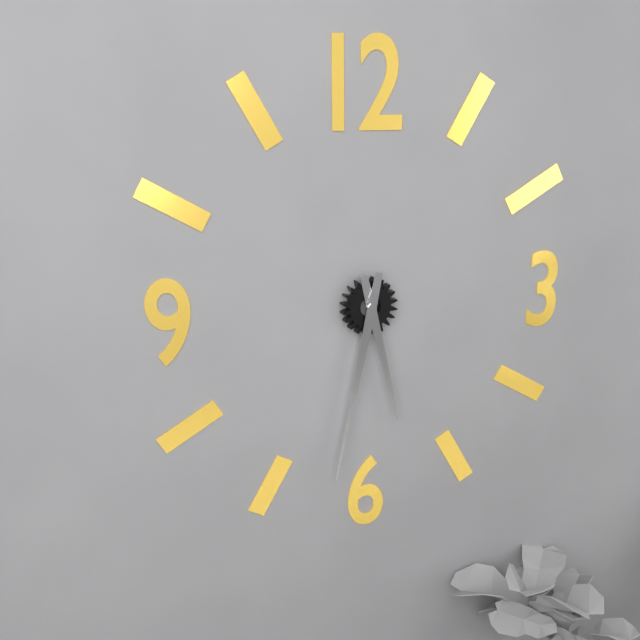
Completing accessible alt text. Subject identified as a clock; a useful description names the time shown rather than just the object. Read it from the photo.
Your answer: 5:32
